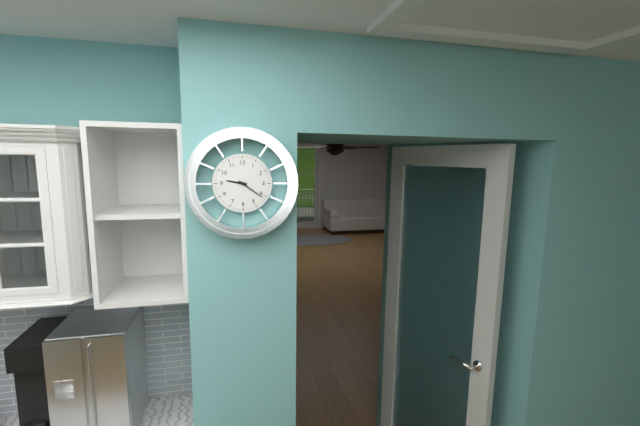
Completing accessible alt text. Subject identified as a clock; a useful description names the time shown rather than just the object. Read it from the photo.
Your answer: 9:21
